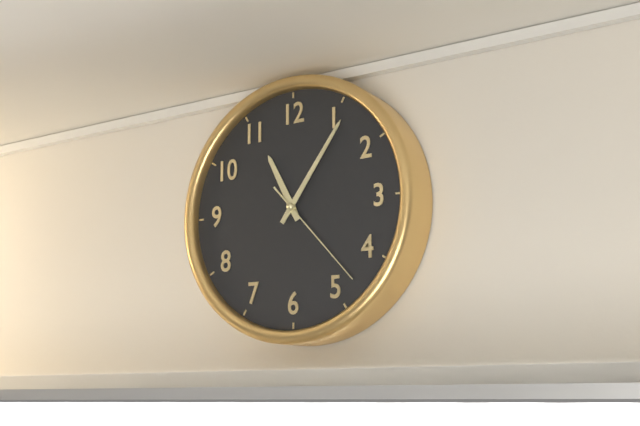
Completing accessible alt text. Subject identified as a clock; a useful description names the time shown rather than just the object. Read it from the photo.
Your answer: 11:06:23
